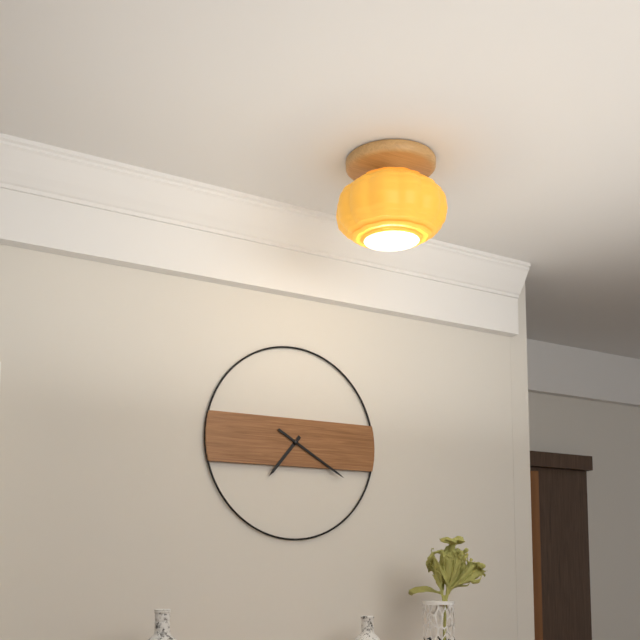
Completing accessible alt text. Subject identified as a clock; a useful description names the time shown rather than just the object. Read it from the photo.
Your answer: 7:20
